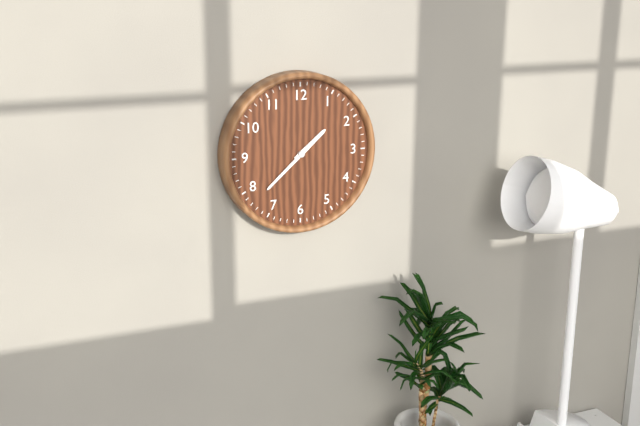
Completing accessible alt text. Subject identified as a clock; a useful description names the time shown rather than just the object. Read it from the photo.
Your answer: 1:38
